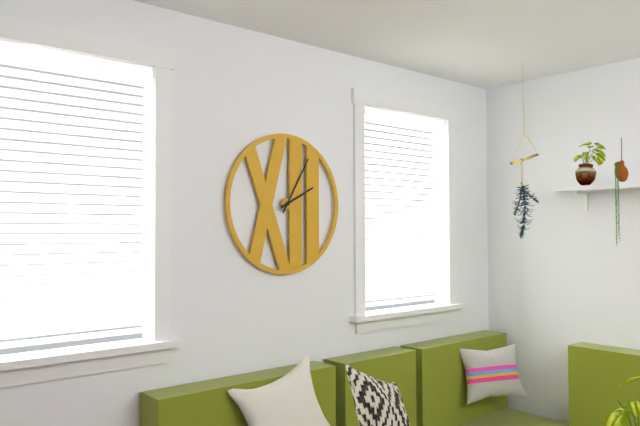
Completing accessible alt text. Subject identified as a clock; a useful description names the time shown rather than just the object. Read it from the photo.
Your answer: 2:05
